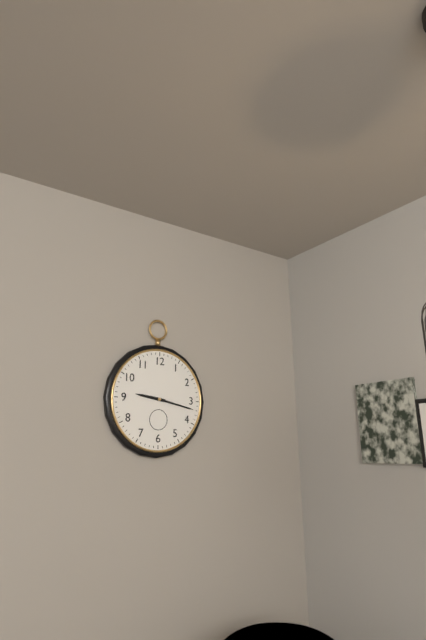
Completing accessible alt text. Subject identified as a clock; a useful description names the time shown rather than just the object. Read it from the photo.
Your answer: 9:17
